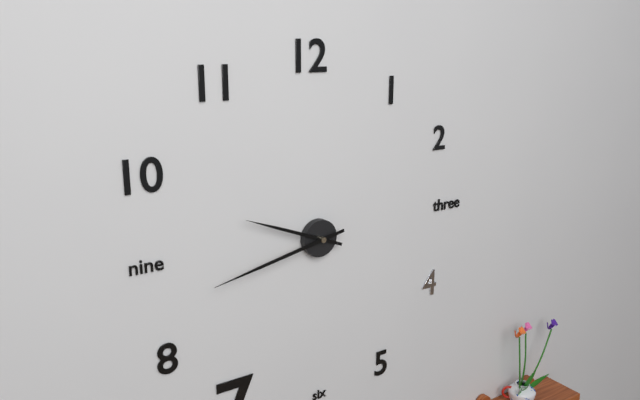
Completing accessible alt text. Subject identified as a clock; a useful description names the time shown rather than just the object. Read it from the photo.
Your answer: 9:43
